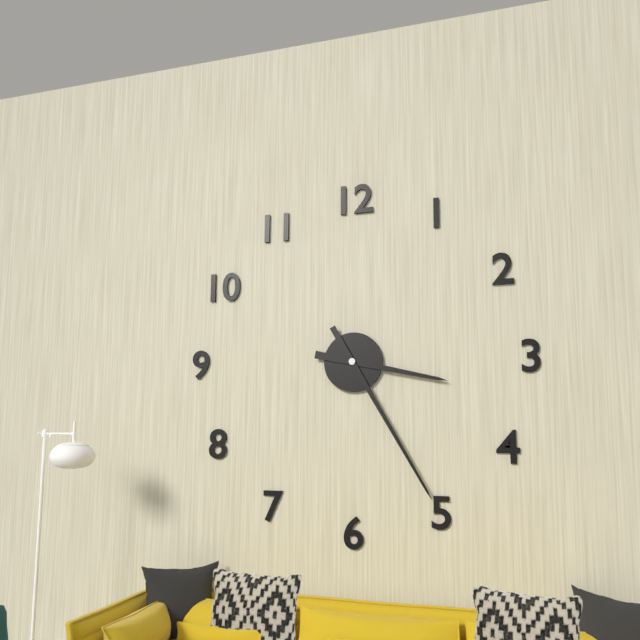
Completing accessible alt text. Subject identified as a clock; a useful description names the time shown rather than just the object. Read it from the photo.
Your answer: 3:25
